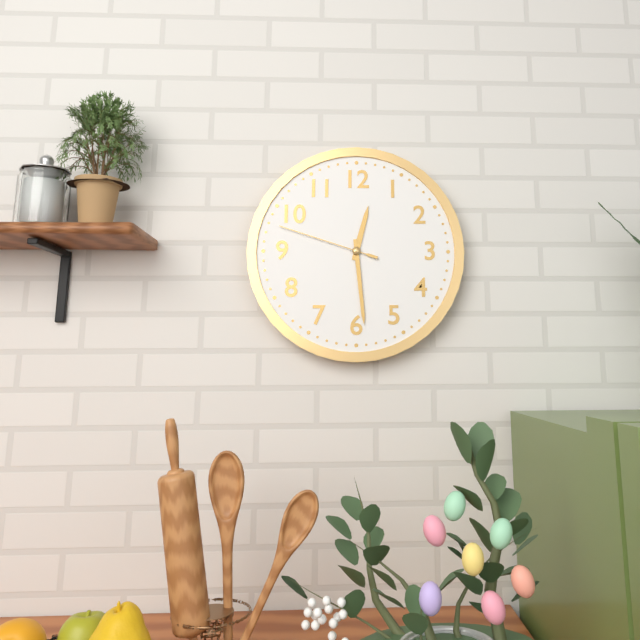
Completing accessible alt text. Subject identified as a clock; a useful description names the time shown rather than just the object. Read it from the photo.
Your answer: 12:29:48
